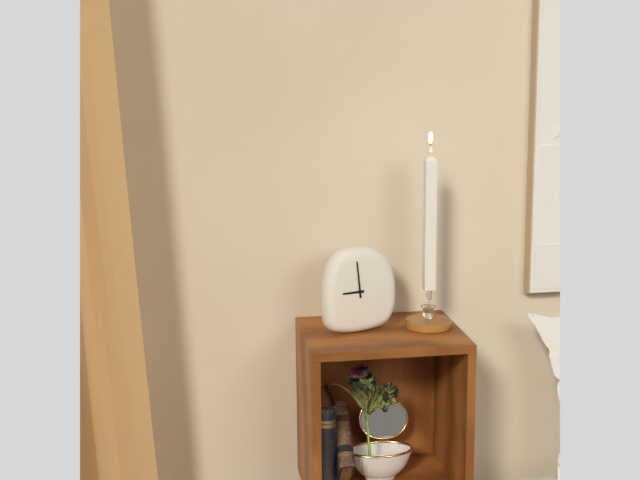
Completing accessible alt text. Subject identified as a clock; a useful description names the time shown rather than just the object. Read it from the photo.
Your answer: 8:59
